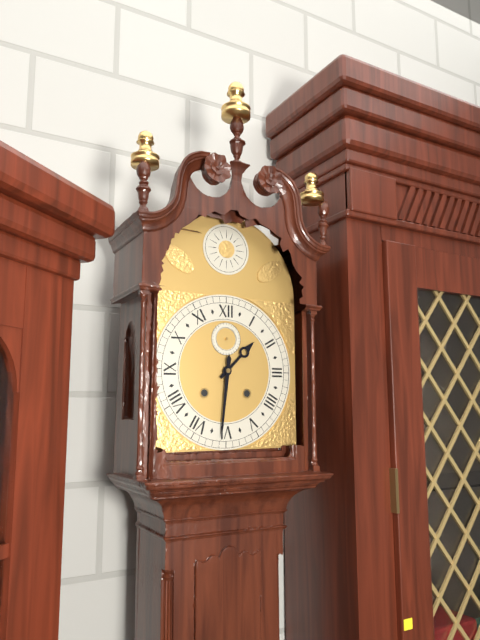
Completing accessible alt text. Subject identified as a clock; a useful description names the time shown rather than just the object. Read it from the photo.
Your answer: 1:31
